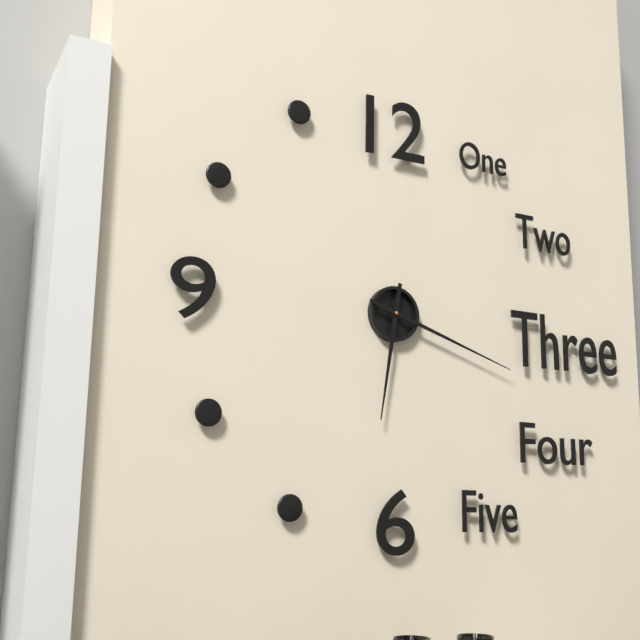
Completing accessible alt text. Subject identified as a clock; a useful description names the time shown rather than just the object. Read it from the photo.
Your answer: 6:18
